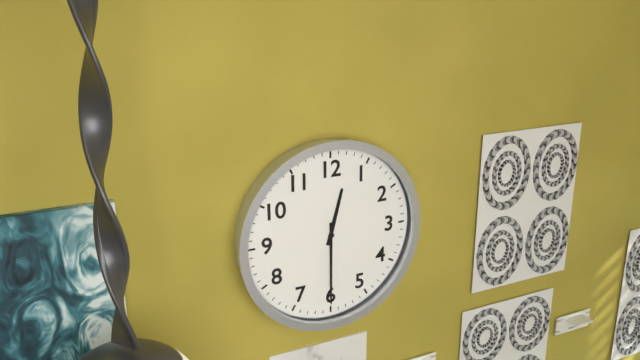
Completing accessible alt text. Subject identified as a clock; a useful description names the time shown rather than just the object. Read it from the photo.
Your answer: 12:30
